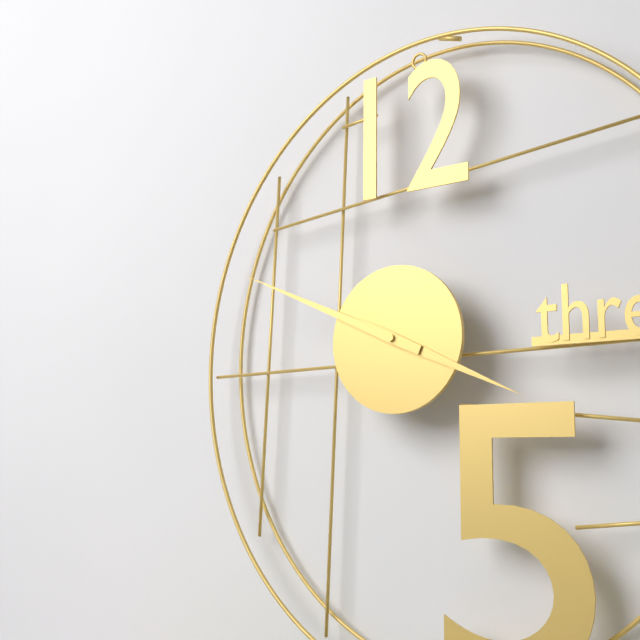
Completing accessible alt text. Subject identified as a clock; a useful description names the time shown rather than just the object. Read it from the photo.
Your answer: 3:49
